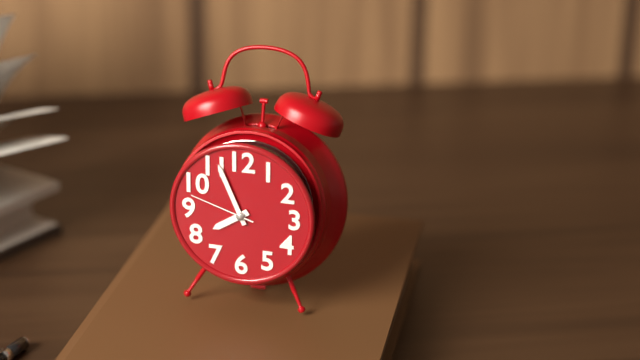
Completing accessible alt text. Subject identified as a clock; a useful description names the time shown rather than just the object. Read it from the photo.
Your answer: 7:56:48
